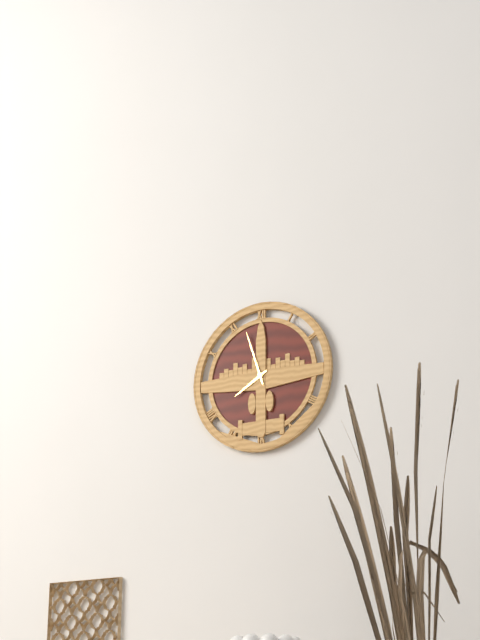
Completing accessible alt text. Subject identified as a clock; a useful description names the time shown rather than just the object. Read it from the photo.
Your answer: 7:57
